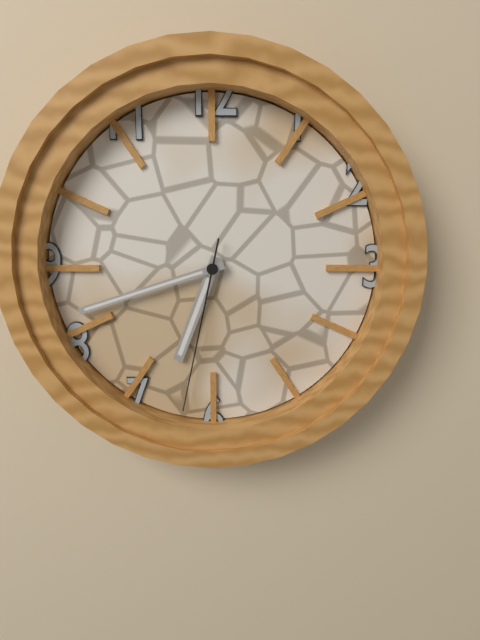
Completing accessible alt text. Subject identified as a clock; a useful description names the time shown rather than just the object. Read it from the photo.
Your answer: 6:42:32
